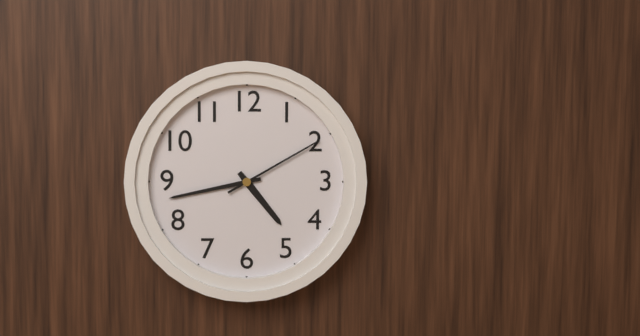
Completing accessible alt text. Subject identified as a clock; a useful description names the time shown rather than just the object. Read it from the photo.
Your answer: 4:43:10
